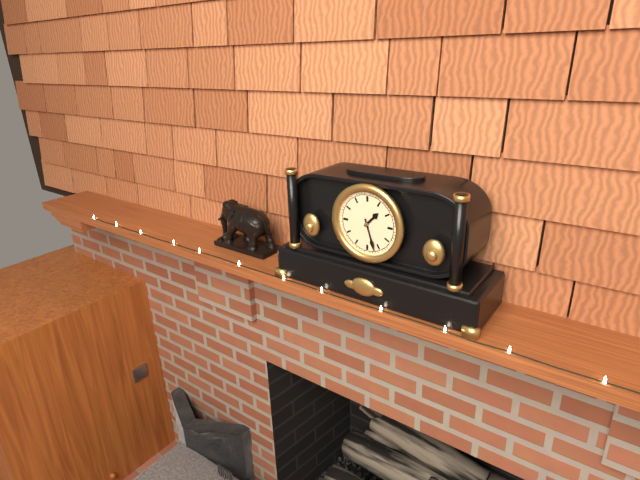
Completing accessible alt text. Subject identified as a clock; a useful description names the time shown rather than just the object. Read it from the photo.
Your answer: 1:27
